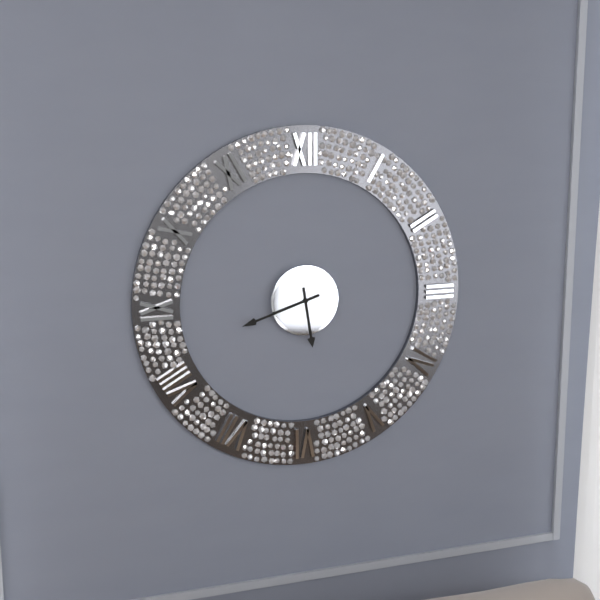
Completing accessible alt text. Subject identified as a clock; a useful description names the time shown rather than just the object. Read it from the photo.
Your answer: 5:42
